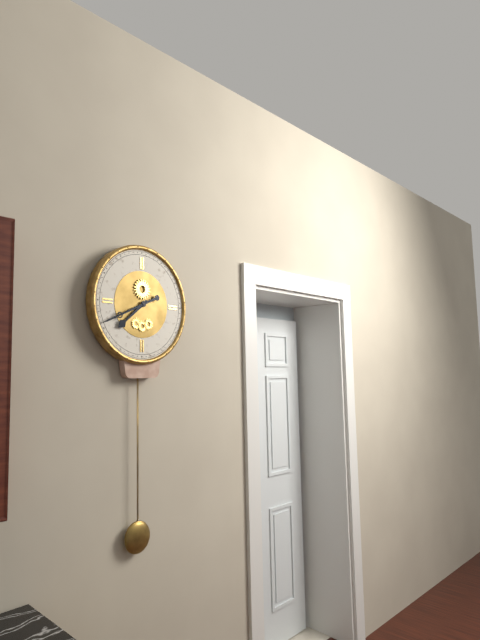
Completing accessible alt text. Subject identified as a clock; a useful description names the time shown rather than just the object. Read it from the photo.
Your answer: 7:41
